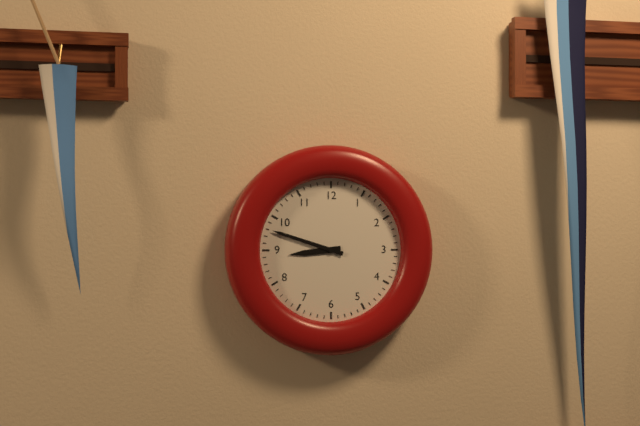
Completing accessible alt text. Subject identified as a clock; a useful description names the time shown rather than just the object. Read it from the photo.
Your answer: 8:48
